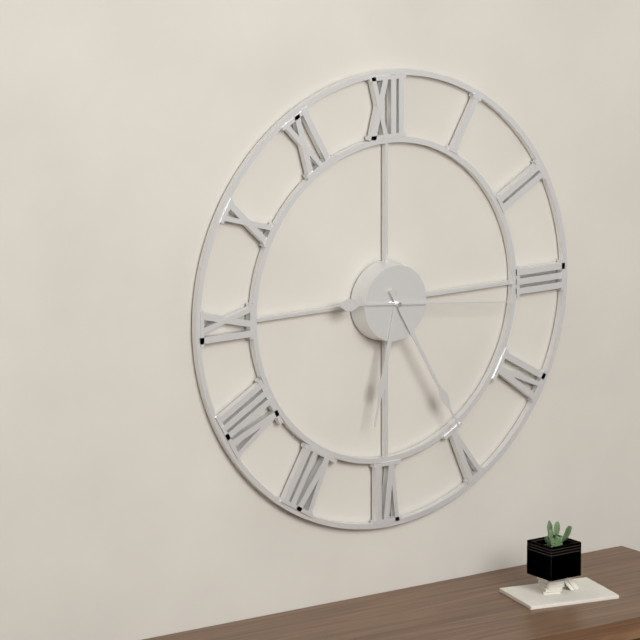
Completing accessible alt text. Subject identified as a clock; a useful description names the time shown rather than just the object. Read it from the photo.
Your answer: 6:25:16
